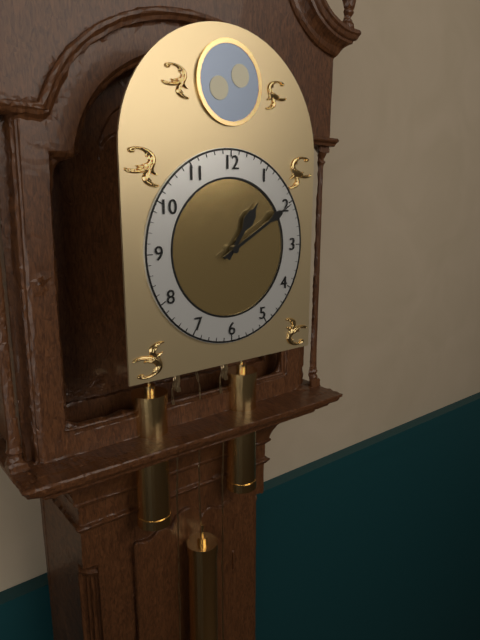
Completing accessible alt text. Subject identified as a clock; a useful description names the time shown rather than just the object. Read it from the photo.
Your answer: 1:10
